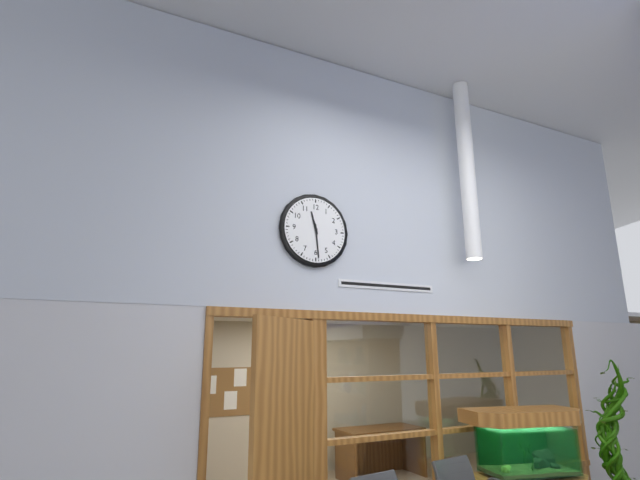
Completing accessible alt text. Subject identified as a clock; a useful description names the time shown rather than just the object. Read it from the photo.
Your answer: 11:29
